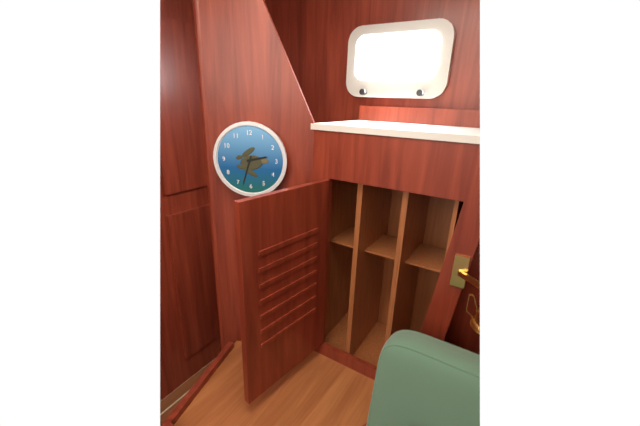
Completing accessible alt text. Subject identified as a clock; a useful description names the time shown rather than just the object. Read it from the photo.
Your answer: 2:33
